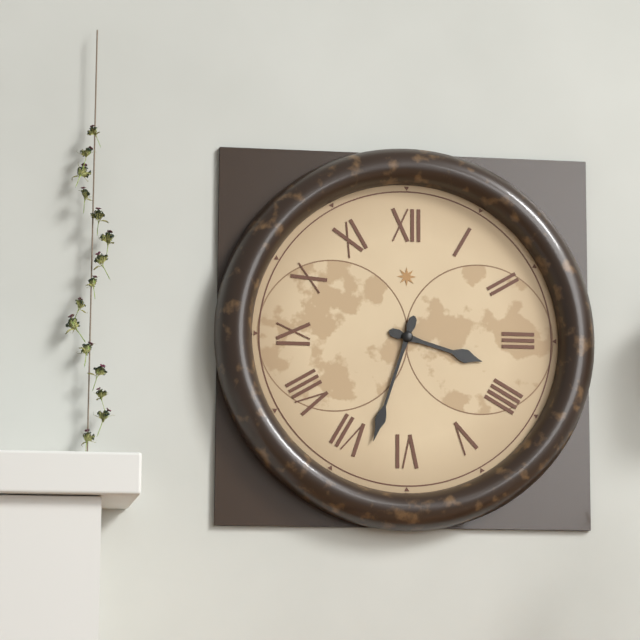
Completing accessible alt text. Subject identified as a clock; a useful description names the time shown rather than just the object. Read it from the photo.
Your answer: 3:33
